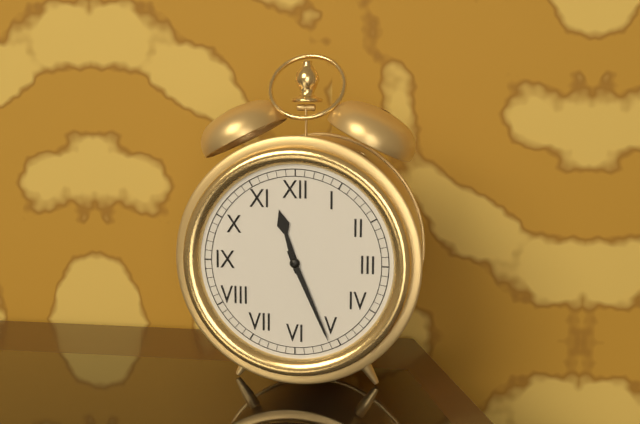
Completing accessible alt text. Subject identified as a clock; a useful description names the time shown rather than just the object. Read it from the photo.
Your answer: 11:26
